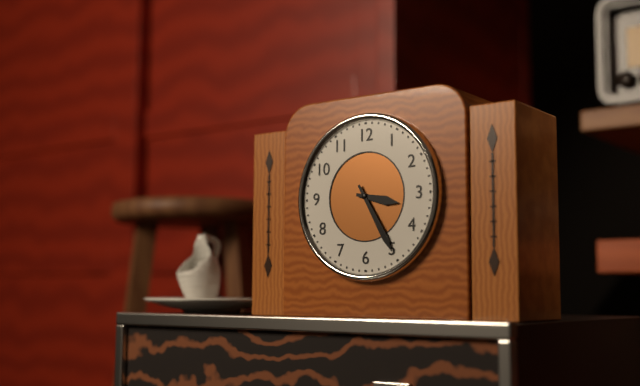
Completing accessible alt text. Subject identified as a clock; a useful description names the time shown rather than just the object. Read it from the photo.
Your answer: 3:25
